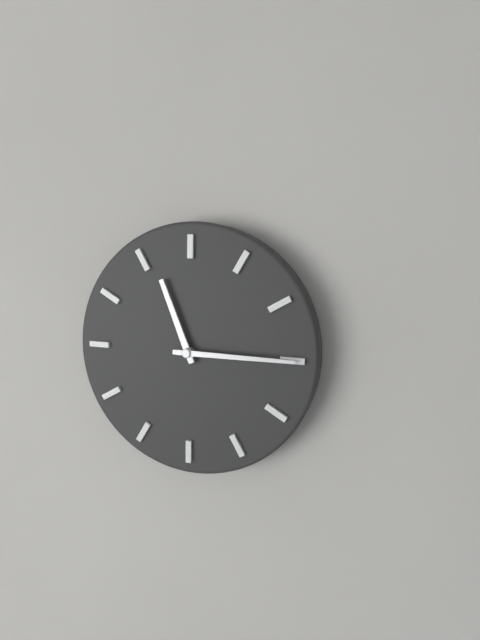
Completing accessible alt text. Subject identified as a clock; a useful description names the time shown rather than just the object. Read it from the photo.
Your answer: 11:15
